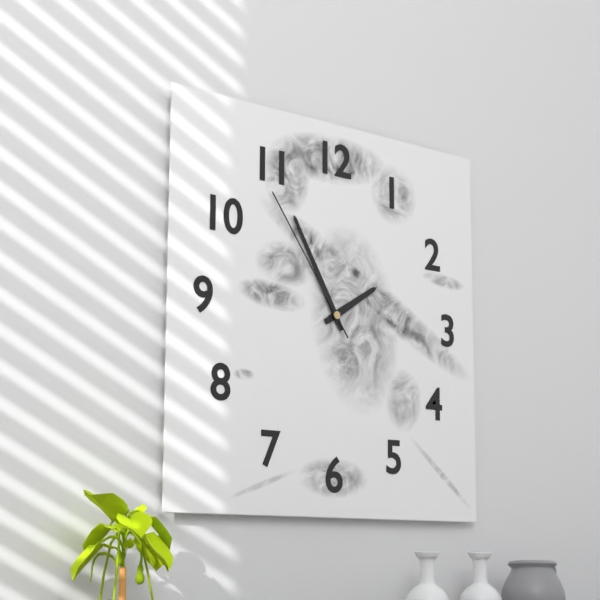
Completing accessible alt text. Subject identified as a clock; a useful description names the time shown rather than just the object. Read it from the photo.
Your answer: 1:55:54
